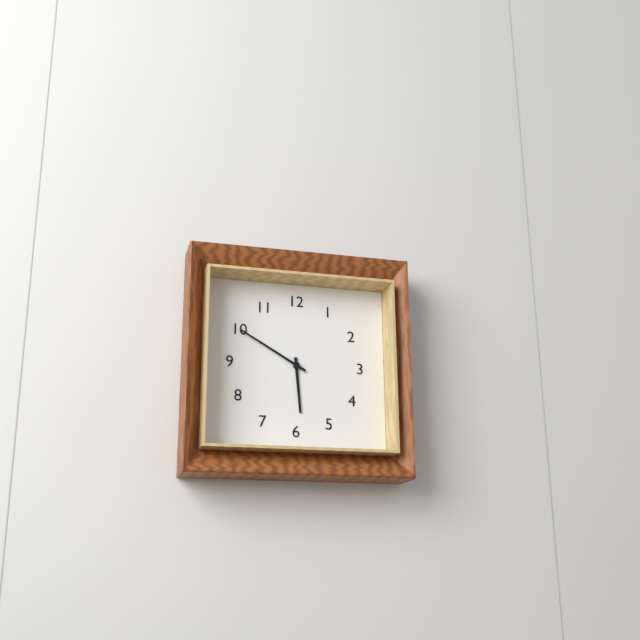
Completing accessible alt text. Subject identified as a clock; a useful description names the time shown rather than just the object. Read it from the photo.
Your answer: 5:50
